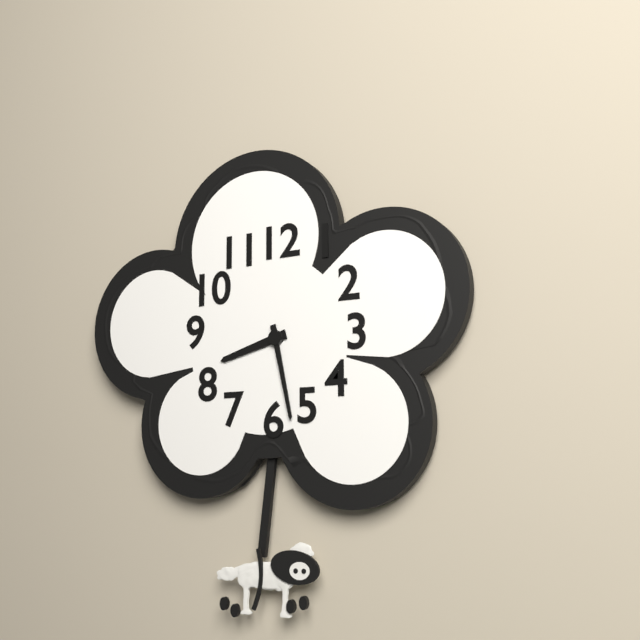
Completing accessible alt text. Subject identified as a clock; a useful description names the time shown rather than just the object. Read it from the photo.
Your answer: 8:28
